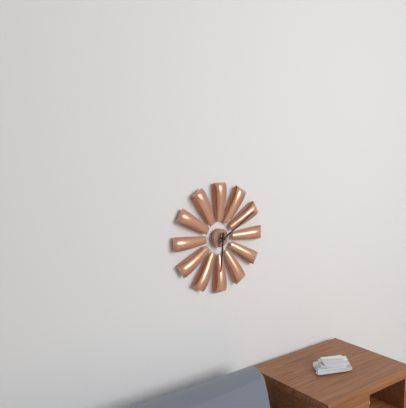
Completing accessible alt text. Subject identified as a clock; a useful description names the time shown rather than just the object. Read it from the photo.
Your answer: 6:10
